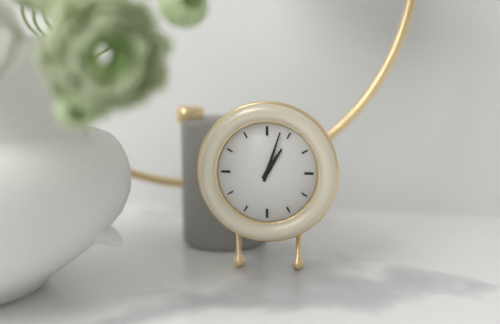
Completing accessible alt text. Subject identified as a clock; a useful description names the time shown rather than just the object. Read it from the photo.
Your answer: 1:03
